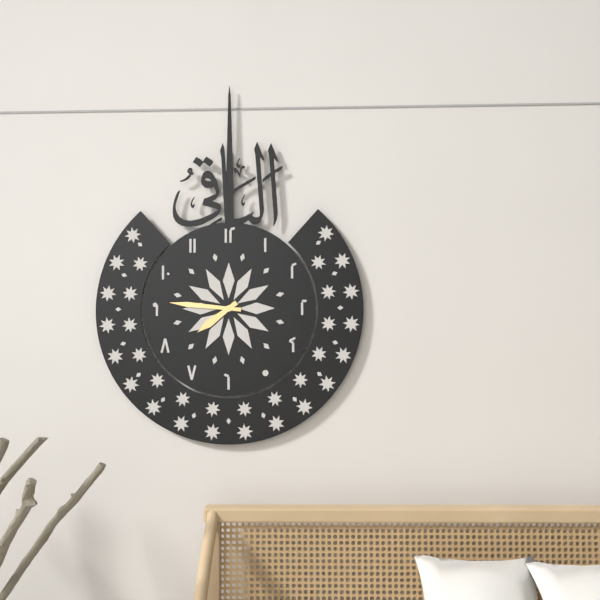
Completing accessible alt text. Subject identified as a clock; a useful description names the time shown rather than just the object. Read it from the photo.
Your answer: 7:46
